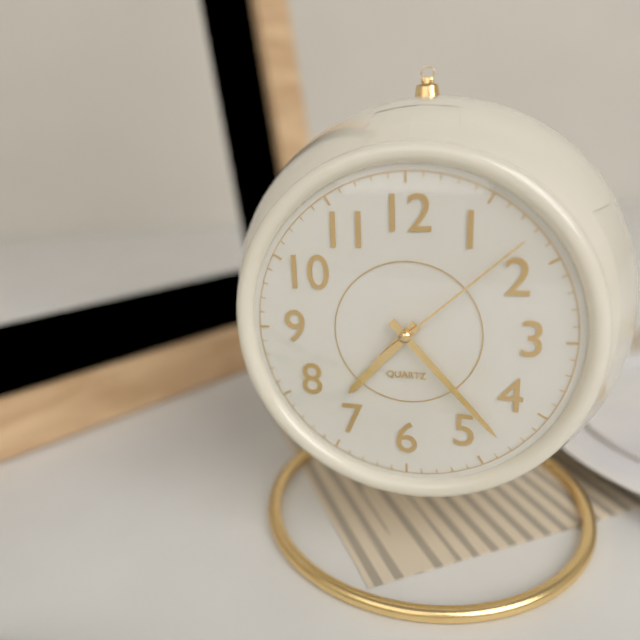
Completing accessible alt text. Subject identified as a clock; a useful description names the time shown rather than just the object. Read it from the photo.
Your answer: 7:23:08
